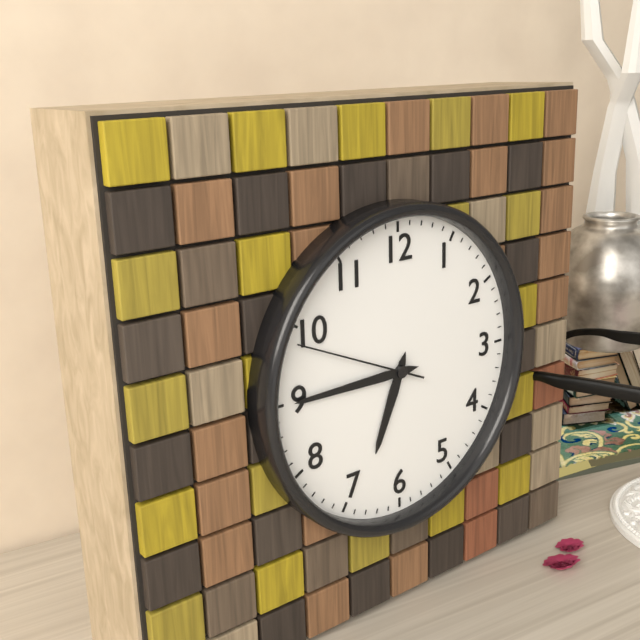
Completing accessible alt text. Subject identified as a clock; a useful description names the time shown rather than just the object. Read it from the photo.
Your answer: 6:45:49
